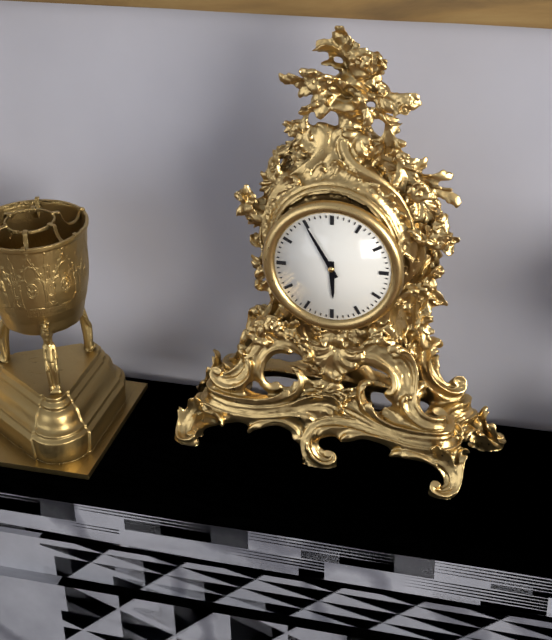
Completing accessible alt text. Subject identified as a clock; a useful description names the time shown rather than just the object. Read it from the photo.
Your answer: 5:55
